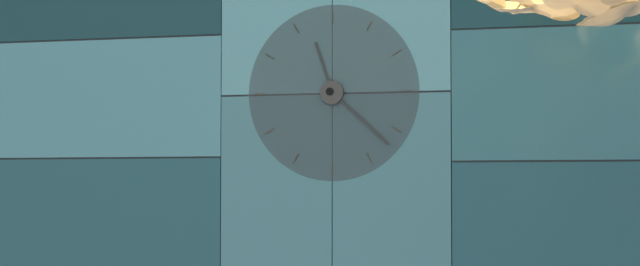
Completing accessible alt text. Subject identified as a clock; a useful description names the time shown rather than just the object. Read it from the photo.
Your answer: 11:22
